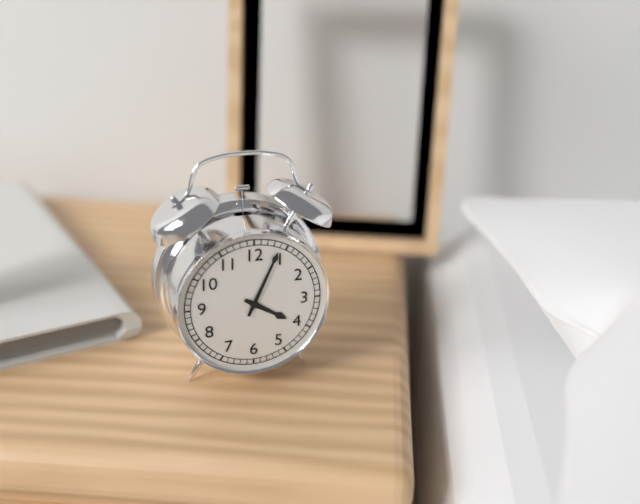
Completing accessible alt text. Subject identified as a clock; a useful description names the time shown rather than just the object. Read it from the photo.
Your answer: 4:04
